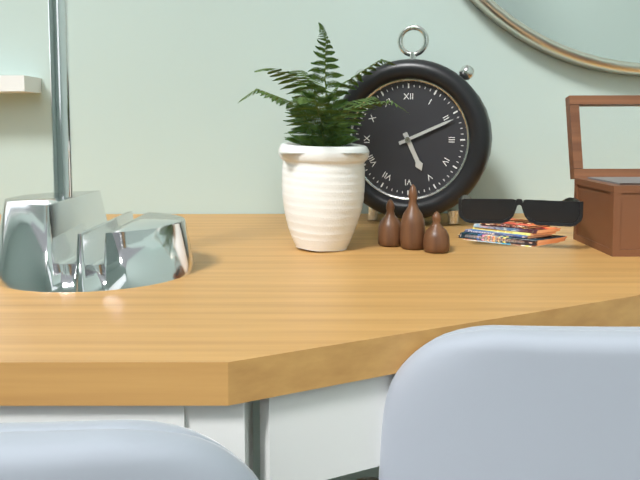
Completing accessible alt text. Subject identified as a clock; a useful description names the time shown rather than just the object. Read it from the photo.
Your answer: 5:11
